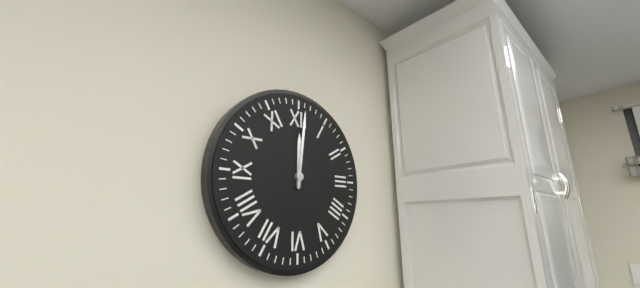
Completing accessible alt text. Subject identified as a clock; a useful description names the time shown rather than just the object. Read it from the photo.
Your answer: 12:01
